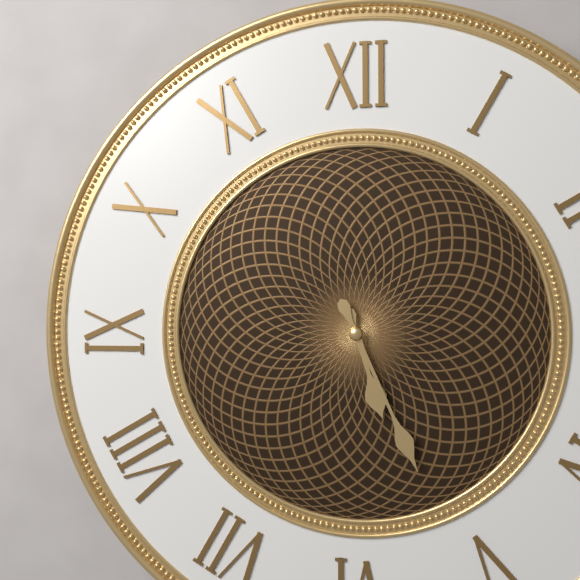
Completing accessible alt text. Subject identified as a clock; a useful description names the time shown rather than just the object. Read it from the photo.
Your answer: 5:26
